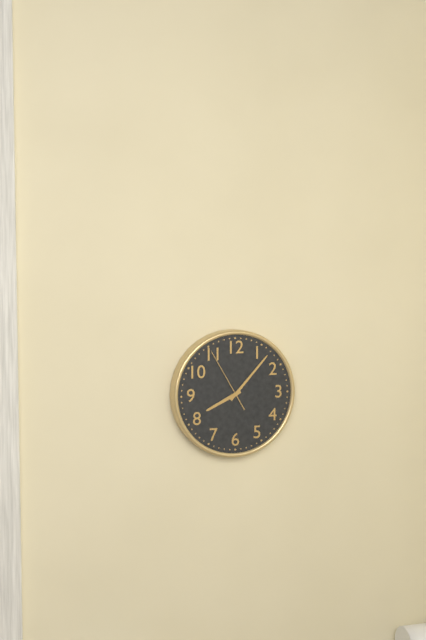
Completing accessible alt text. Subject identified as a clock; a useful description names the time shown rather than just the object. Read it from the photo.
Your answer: 8:07:55
